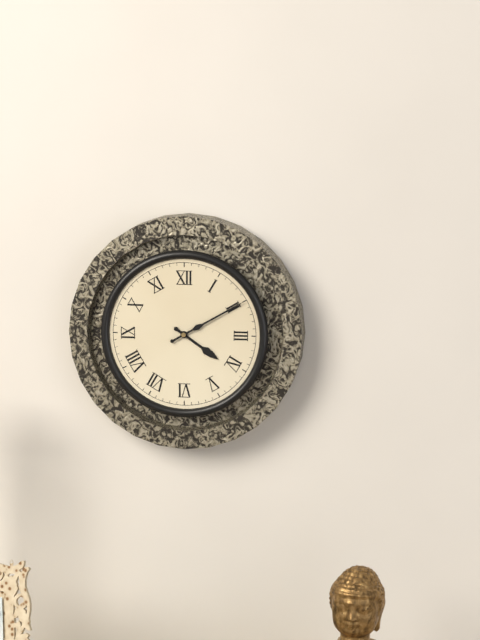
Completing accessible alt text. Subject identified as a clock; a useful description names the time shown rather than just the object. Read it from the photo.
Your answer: 4:10
